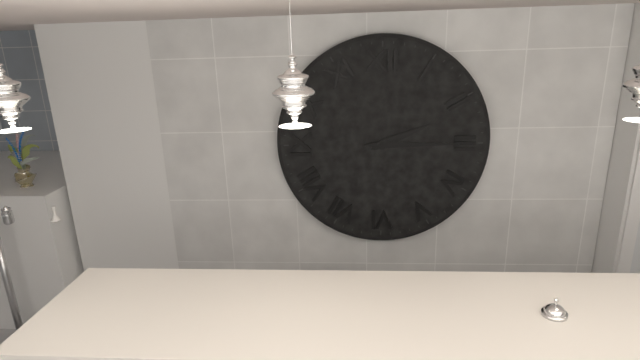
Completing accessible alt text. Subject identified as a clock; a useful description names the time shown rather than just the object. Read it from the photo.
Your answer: 2:15
